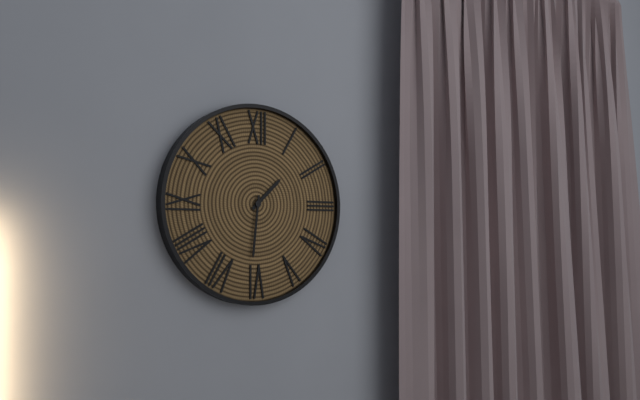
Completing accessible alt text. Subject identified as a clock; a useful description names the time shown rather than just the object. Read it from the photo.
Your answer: 1:31
